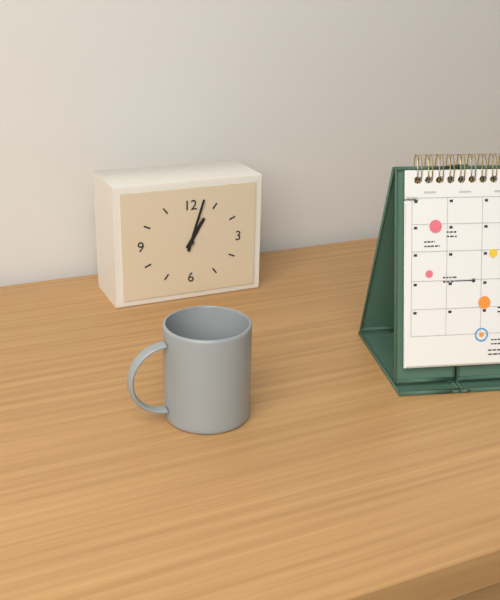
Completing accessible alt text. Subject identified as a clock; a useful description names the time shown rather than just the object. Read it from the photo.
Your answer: 1:03
